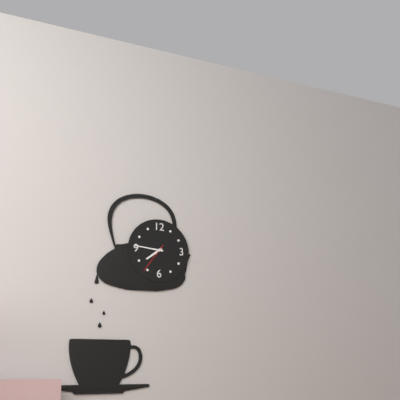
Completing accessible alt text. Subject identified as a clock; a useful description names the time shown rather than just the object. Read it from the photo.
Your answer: 7:46
